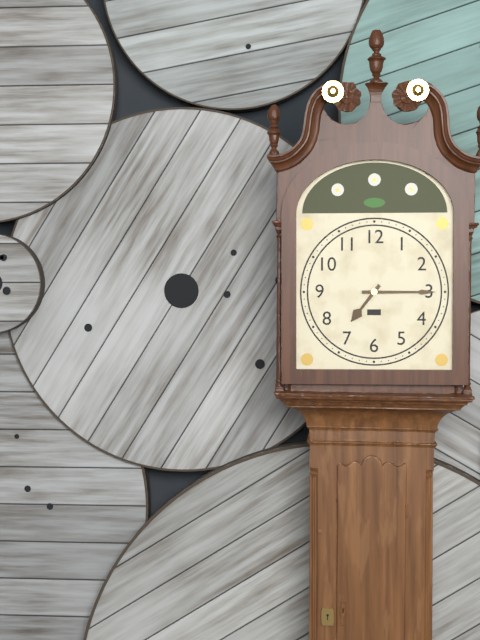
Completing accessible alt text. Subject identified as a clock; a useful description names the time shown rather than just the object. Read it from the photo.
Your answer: 7:15
